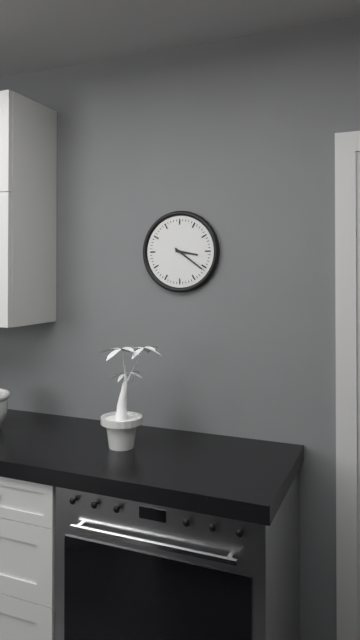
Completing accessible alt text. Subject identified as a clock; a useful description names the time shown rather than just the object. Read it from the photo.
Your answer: 3:21
